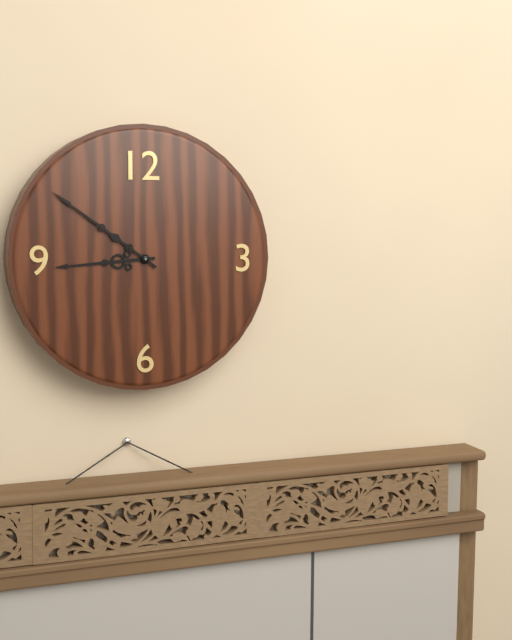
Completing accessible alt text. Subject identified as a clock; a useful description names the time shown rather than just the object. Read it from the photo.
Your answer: 8:51
